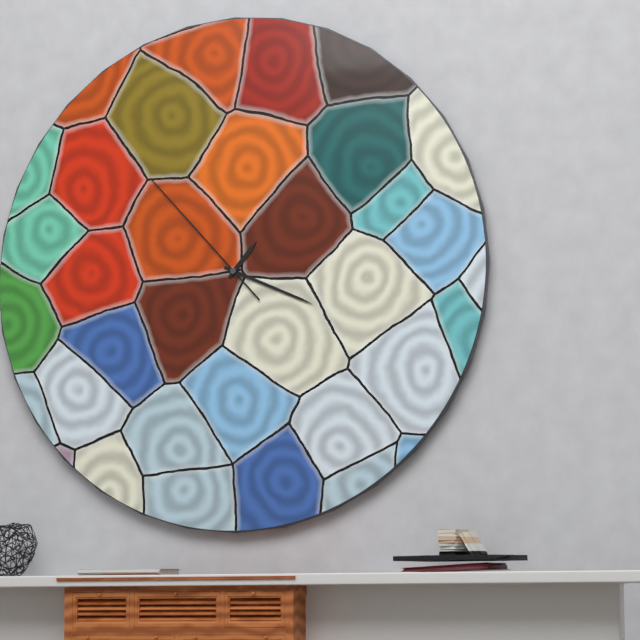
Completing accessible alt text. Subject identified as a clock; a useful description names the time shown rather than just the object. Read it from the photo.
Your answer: 1:19:53
